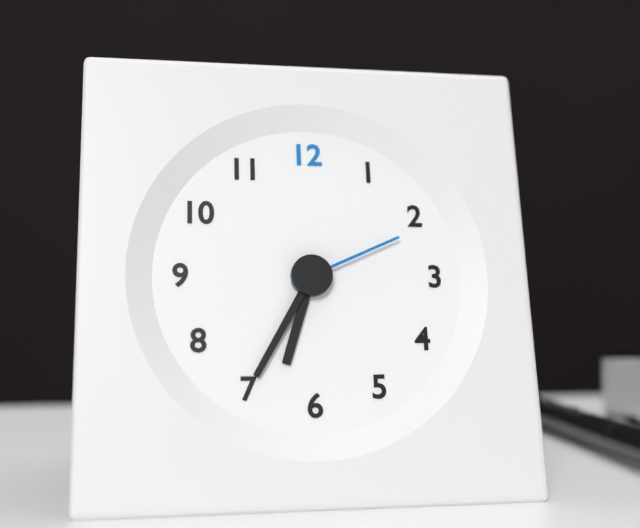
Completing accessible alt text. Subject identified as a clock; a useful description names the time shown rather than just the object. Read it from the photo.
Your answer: 6:35:11
